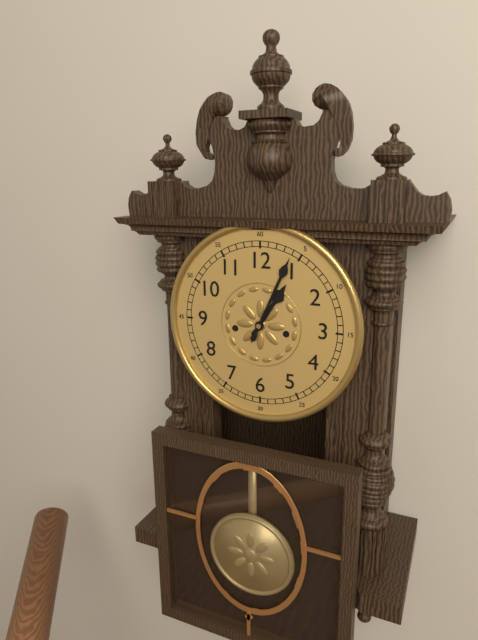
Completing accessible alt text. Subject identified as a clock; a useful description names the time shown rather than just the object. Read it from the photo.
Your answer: 1:04
